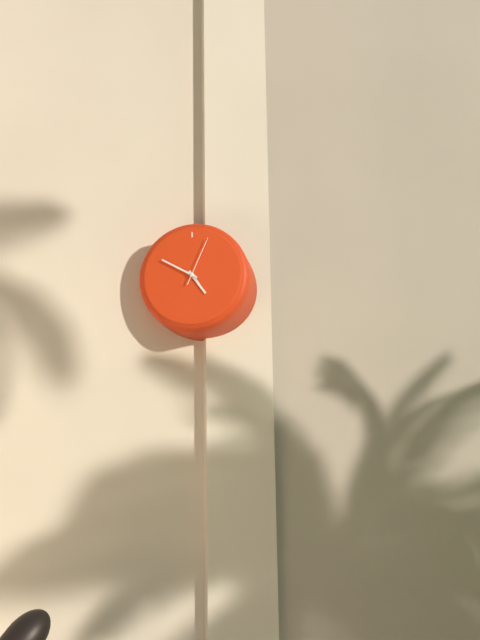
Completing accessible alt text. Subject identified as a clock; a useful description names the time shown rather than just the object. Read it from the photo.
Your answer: 4:50
